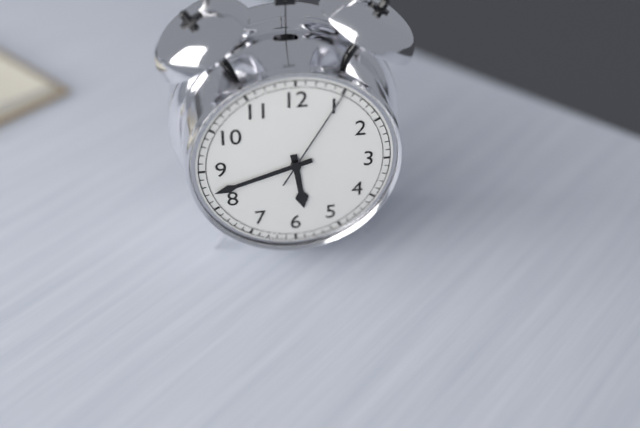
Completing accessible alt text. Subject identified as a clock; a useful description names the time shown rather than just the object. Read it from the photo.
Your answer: 5:42:05
